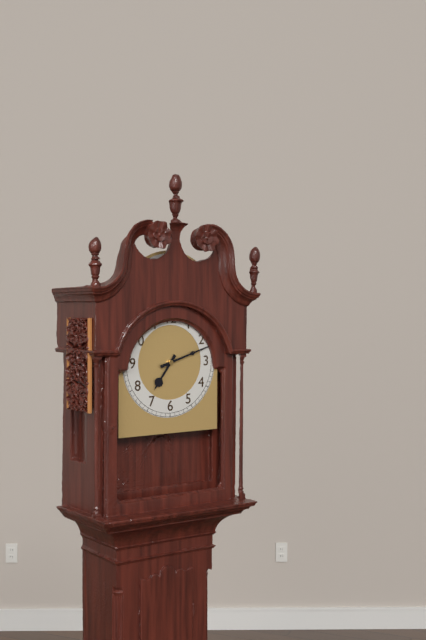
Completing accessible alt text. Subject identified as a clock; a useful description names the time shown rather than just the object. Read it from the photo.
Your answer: 7:12
